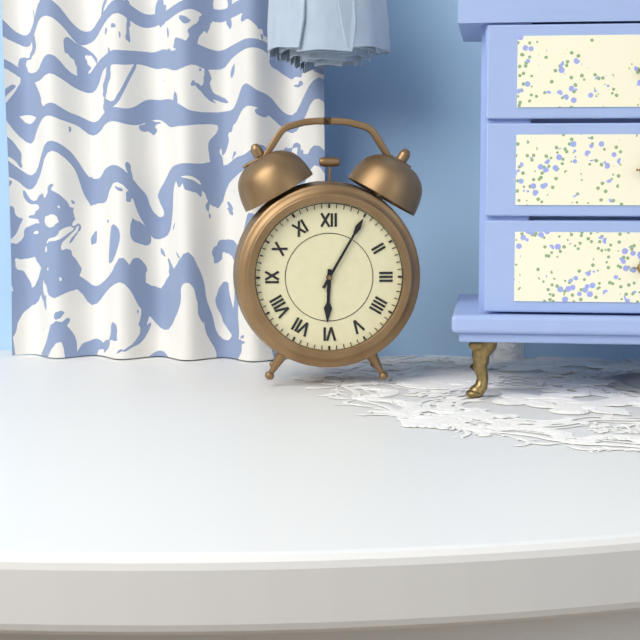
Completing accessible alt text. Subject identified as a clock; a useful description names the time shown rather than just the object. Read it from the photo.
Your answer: 6:05
